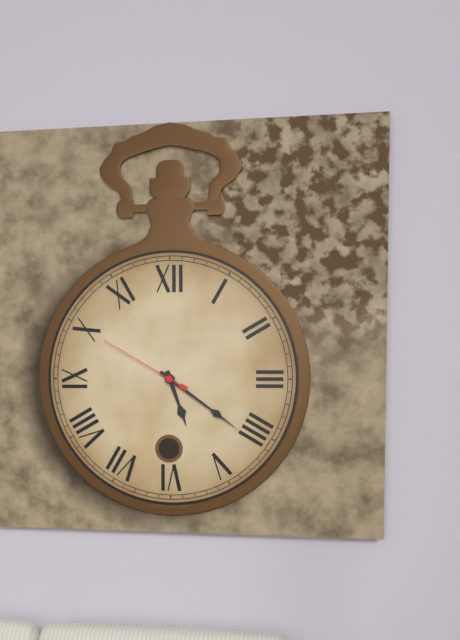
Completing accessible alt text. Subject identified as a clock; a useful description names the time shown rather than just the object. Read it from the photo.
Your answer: 5:21:50
